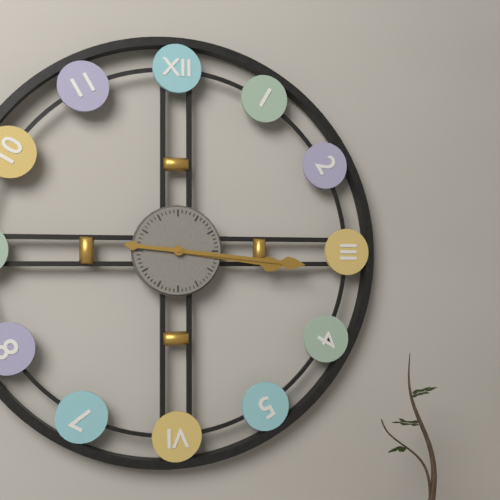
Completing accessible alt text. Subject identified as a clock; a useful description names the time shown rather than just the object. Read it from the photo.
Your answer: 3:16
